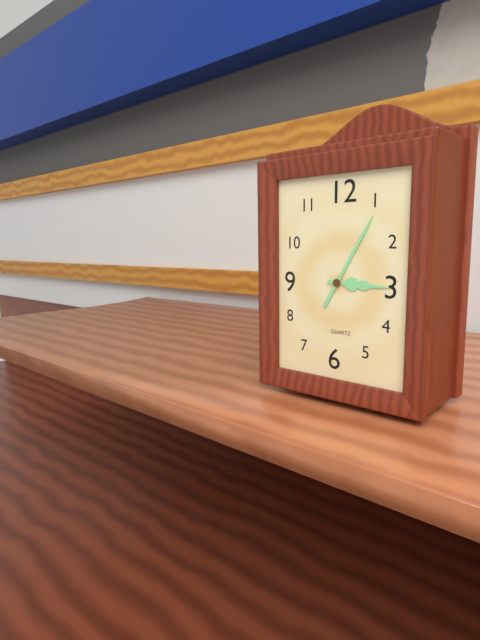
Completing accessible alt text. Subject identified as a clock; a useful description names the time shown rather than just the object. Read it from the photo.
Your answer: 3:05
